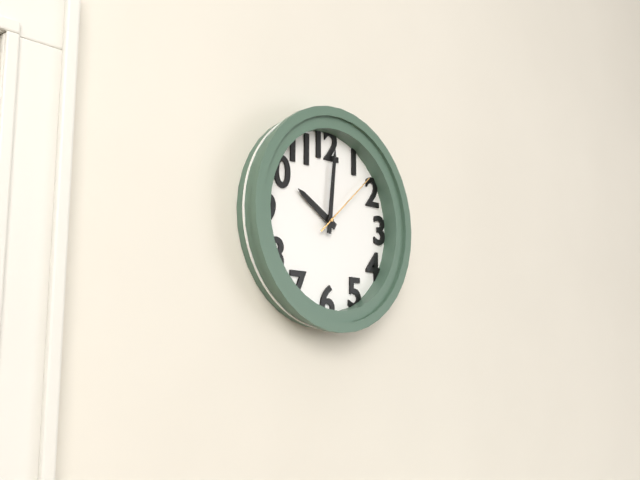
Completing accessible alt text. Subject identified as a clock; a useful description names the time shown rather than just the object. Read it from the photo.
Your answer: 10:01:08
